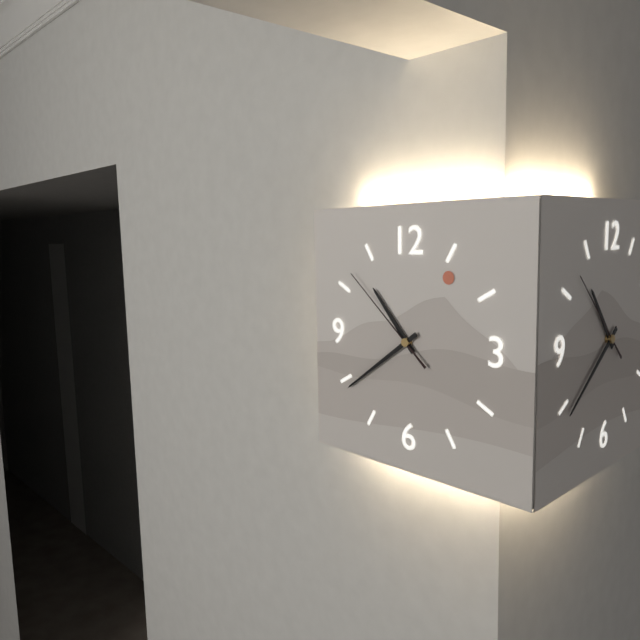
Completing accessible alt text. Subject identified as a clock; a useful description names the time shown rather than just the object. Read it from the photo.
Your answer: 10:39:52
